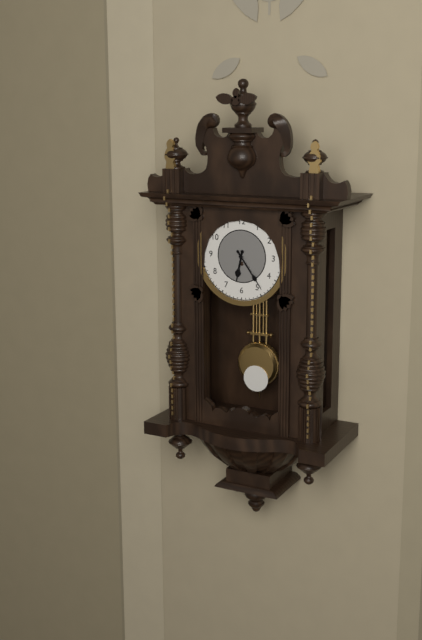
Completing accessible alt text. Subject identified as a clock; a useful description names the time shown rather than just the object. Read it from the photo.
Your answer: 6:24
